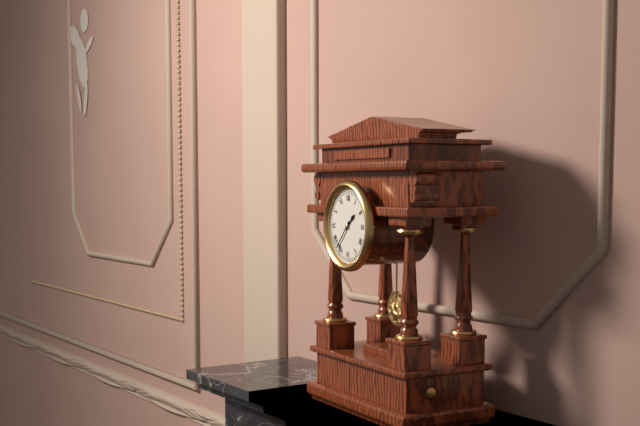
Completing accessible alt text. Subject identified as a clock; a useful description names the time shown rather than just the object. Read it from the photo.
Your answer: 1:37
